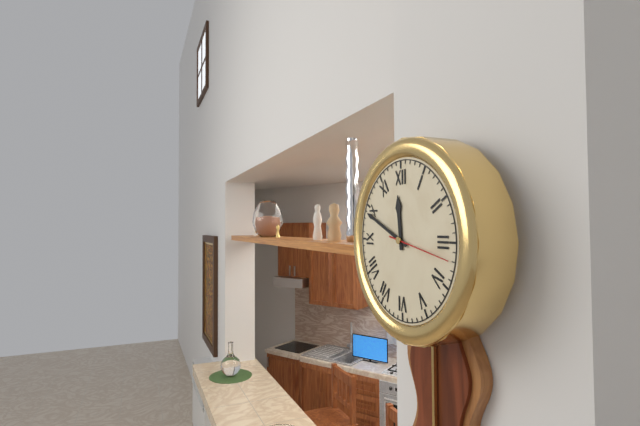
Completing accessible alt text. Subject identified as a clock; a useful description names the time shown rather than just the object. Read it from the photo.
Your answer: 11:49:17
